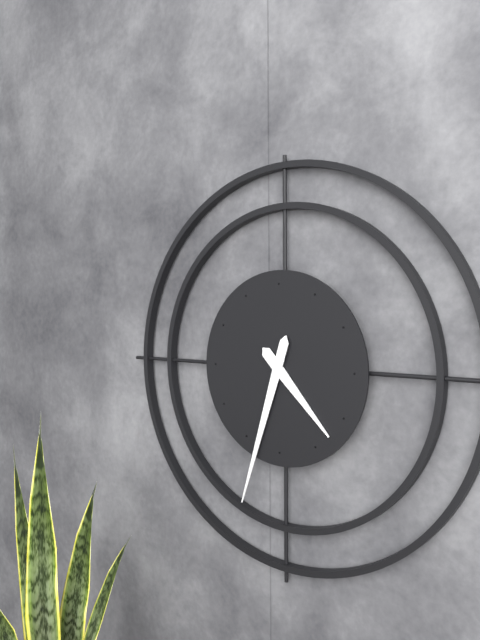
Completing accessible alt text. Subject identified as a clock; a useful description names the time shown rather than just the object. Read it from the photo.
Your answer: 4:33
